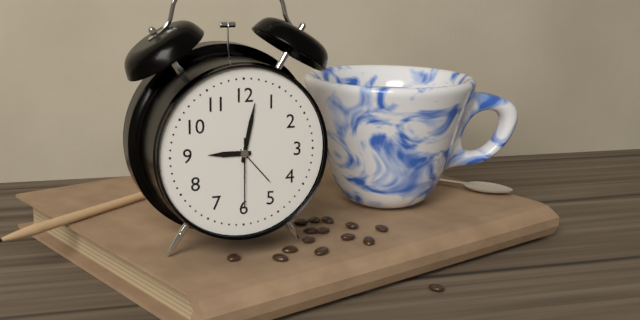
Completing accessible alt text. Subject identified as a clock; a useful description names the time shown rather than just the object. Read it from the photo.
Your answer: 9:02:30
